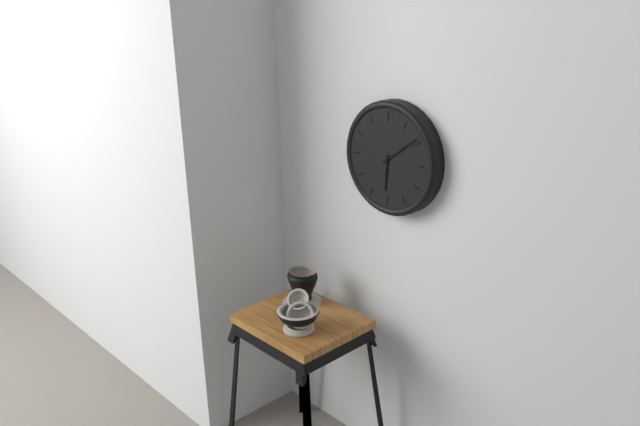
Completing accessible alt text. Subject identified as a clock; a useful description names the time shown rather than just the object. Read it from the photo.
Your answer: 6:09
